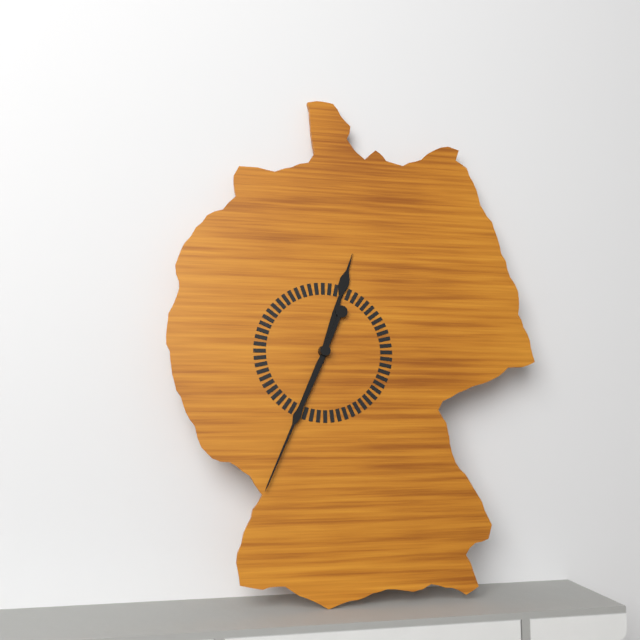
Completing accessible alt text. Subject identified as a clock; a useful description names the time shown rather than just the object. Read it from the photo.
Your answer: 12:34
